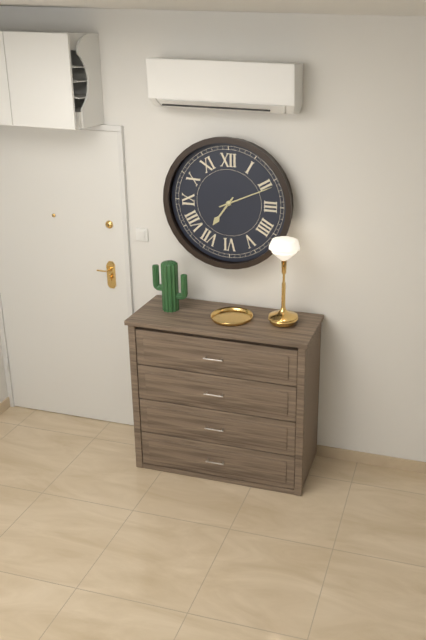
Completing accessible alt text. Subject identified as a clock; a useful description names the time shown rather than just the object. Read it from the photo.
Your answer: 7:11
